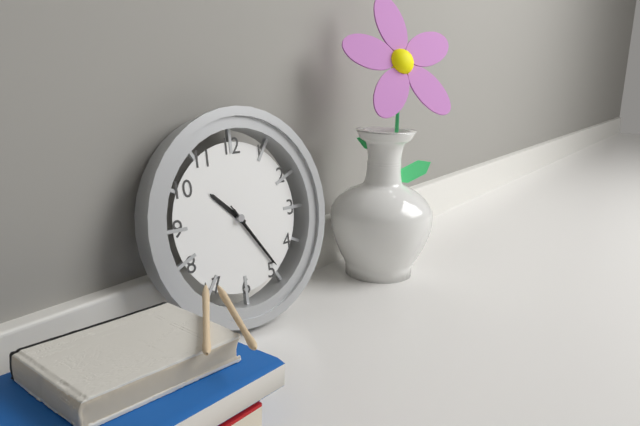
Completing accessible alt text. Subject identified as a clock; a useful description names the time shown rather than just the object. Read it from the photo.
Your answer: 10:24:24
